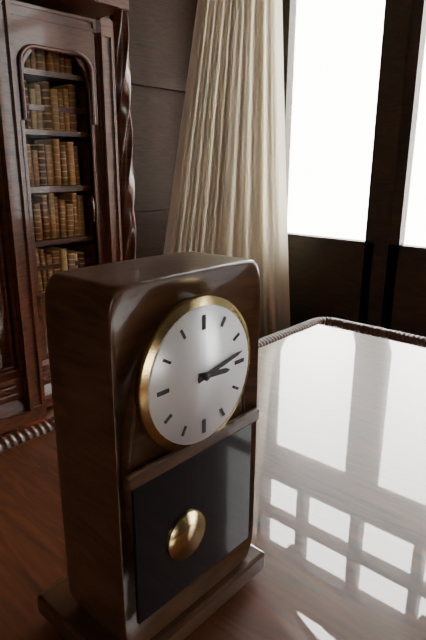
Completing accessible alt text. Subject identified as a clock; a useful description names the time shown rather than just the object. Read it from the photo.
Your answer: 3:13
